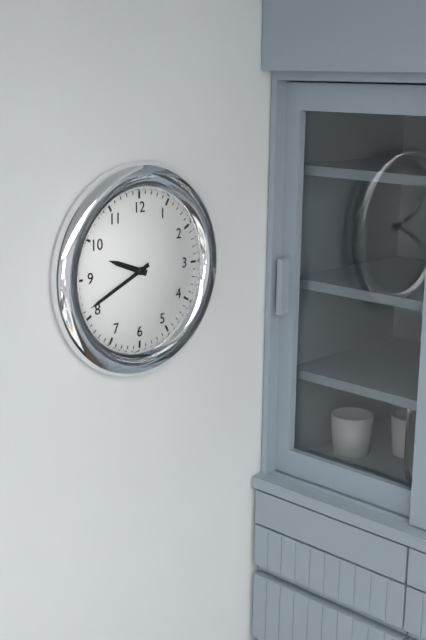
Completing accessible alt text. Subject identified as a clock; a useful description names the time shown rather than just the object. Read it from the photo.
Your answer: 9:41
